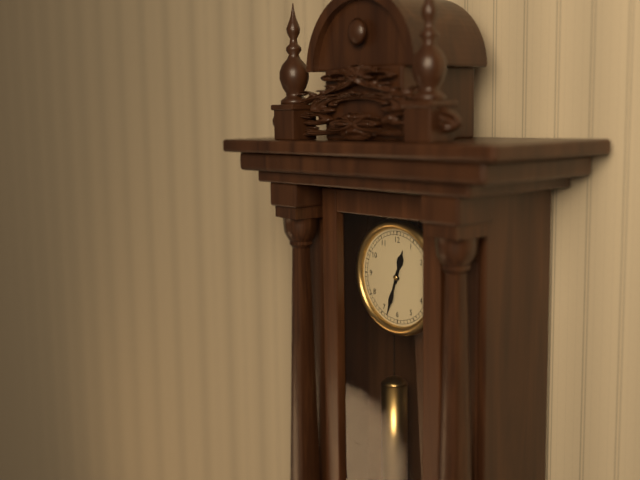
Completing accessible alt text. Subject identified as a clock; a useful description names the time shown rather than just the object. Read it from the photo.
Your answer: 12:33
